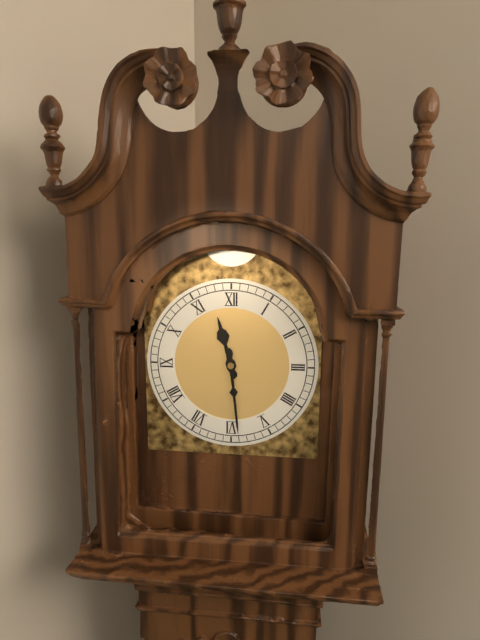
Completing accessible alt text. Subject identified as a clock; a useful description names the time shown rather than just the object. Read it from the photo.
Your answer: 11:29
